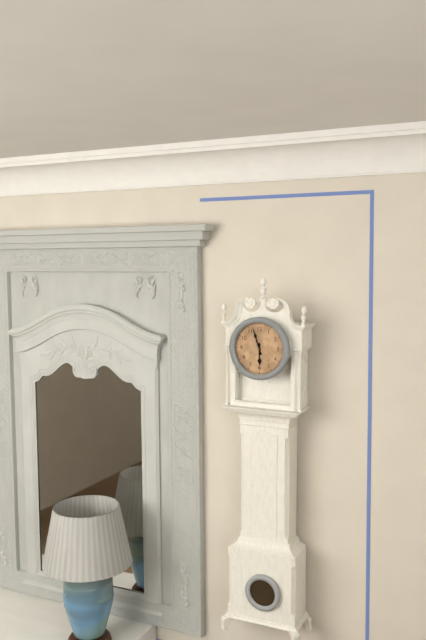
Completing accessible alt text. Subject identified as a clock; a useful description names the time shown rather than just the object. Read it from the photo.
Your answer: 5:57
